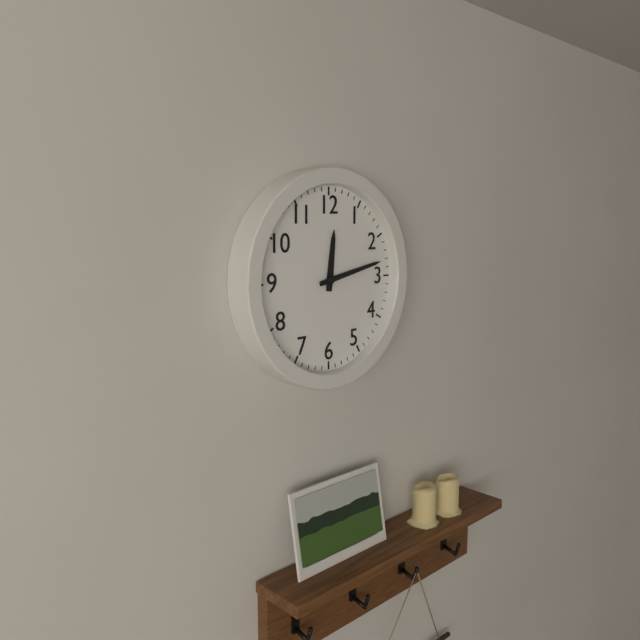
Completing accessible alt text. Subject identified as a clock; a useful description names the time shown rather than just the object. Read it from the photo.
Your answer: 12:13
